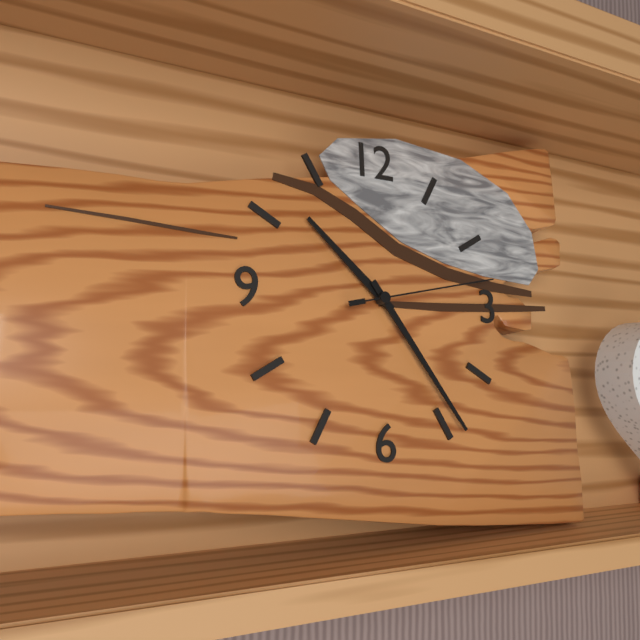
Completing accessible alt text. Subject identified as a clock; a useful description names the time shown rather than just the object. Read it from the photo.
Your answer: 10:24:13
